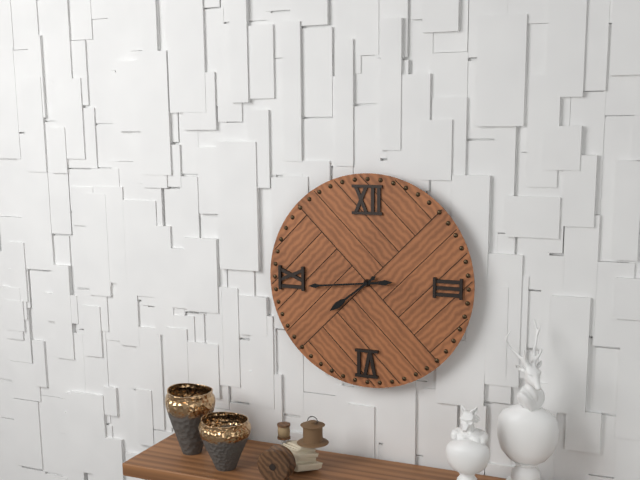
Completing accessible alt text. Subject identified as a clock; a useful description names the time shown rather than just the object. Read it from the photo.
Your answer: 7:44
